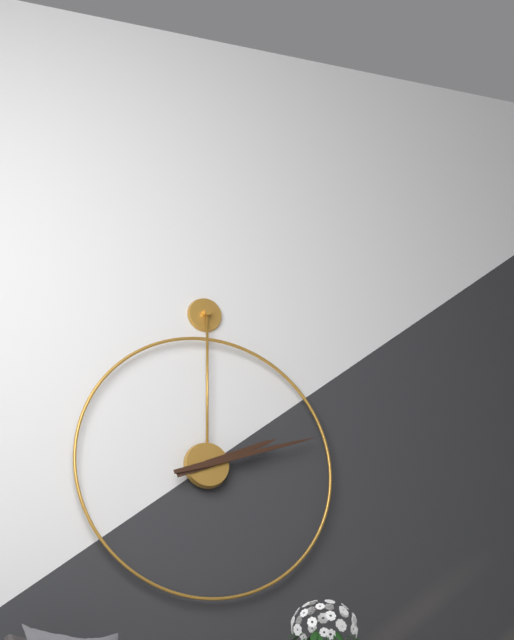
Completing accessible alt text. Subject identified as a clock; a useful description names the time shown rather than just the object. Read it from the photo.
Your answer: 2:12
